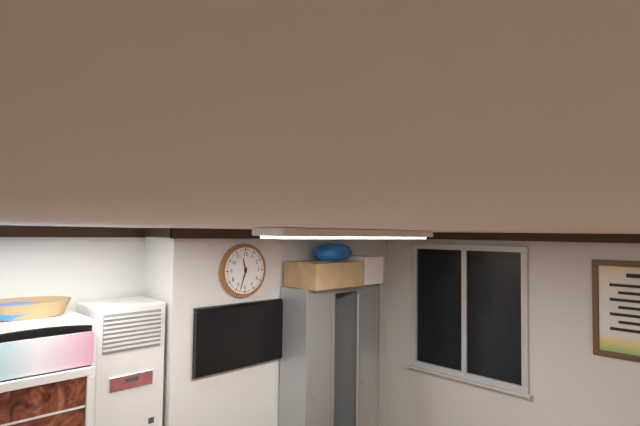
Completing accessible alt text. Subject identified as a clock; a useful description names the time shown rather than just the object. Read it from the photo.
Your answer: 11:33
